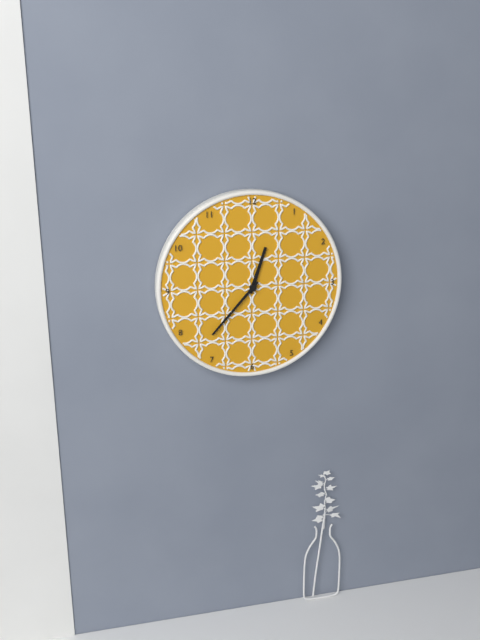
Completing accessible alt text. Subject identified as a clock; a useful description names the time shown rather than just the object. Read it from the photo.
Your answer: 12:37
